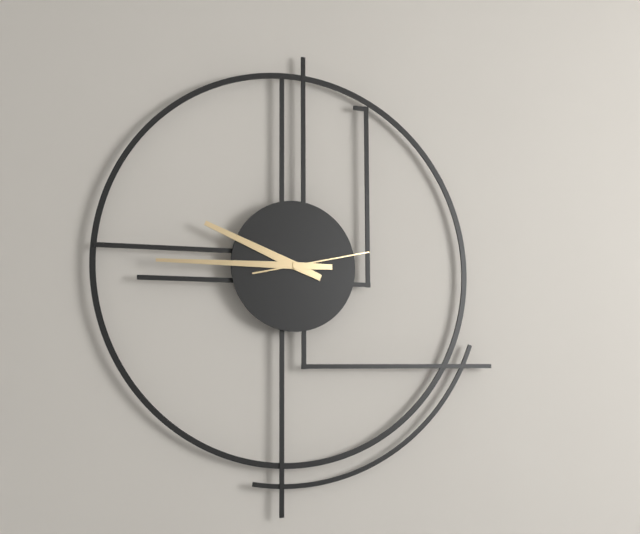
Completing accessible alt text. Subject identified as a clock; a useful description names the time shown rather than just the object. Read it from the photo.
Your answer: 9:45:13
